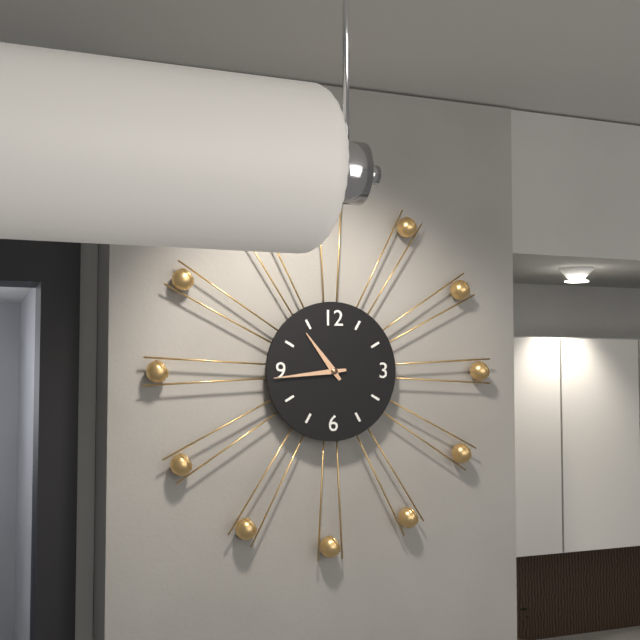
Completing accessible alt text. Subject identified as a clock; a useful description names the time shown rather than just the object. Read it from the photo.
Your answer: 10:44
